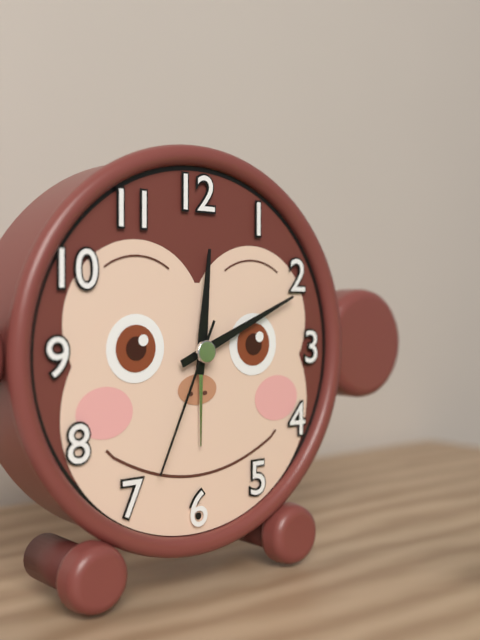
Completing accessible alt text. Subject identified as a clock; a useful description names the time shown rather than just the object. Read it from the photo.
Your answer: 12:11:34
